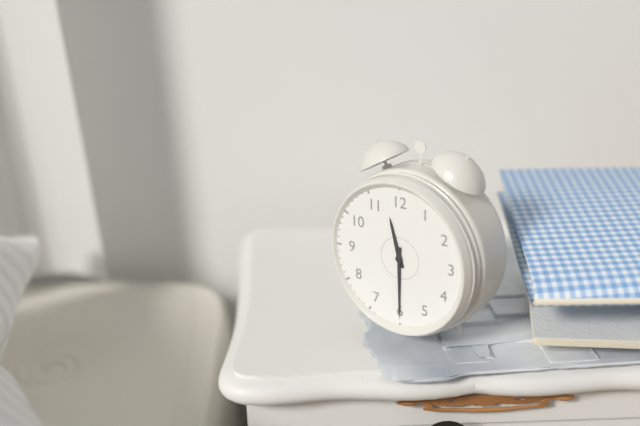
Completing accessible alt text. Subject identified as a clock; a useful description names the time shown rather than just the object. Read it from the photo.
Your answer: 11:30
